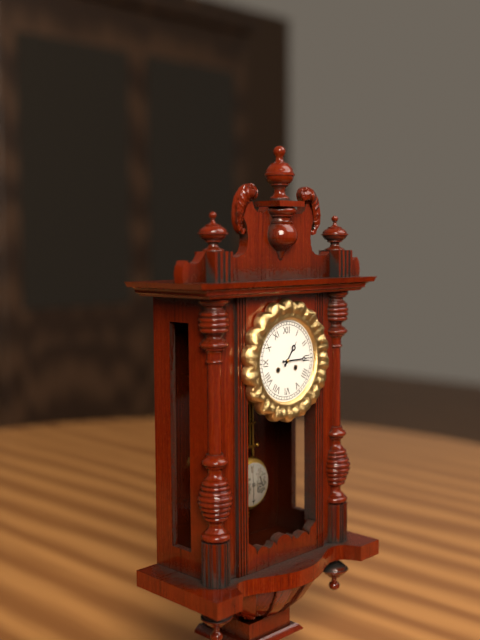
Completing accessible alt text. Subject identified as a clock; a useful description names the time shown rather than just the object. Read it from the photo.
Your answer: 1:15
